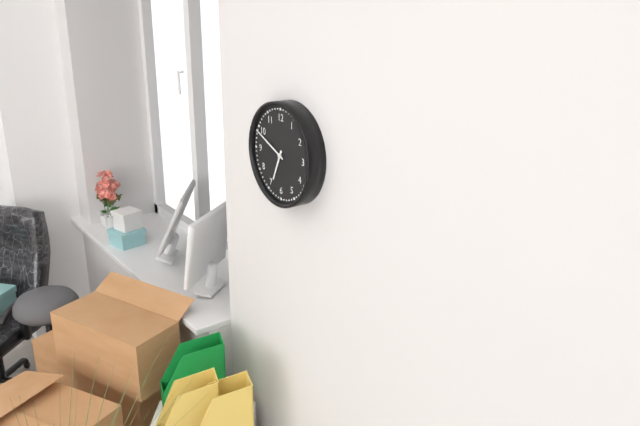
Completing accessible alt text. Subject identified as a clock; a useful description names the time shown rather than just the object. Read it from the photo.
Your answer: 6:49
